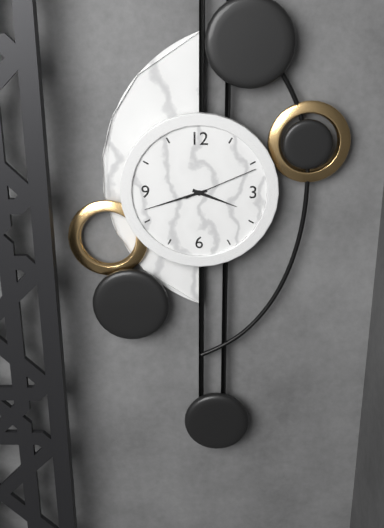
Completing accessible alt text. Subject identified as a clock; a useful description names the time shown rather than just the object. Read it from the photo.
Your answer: 3:42:11
